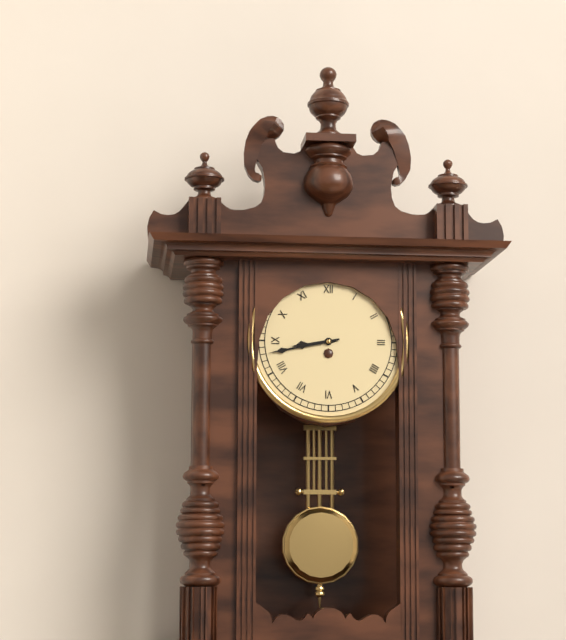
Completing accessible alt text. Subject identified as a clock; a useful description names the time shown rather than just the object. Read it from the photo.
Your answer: 8:43
